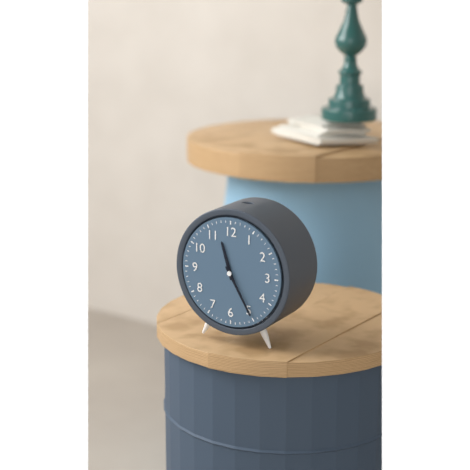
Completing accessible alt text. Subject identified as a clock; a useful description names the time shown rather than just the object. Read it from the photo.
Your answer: 11:25
